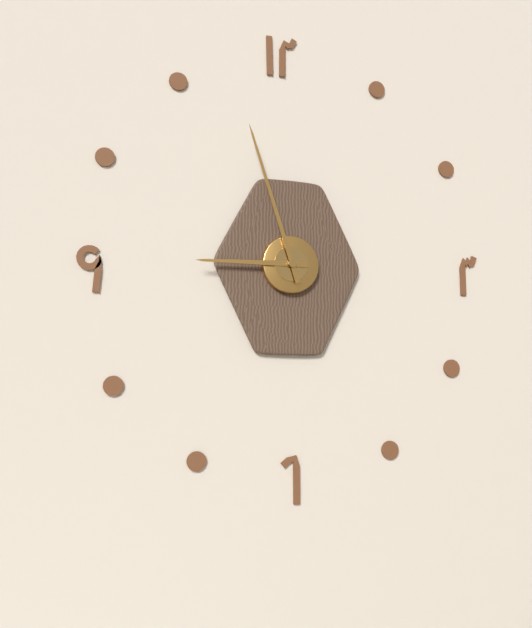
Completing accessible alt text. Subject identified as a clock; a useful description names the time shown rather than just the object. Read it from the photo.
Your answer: 8:57
